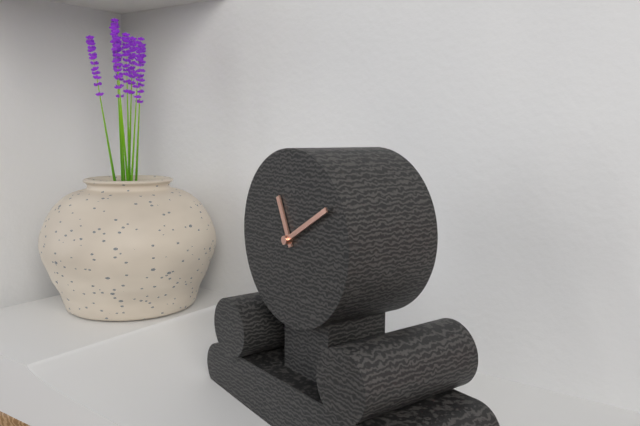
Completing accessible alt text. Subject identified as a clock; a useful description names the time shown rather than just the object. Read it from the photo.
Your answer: 11:10
